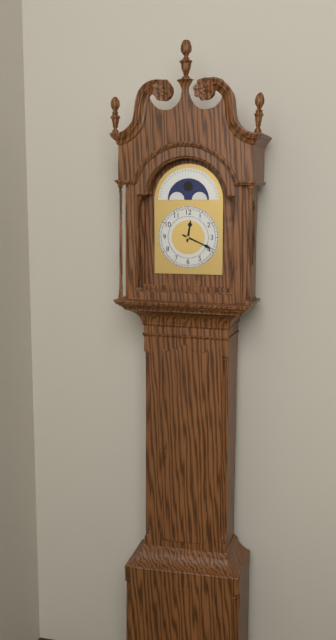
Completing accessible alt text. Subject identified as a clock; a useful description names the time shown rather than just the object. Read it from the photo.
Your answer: 12:19
